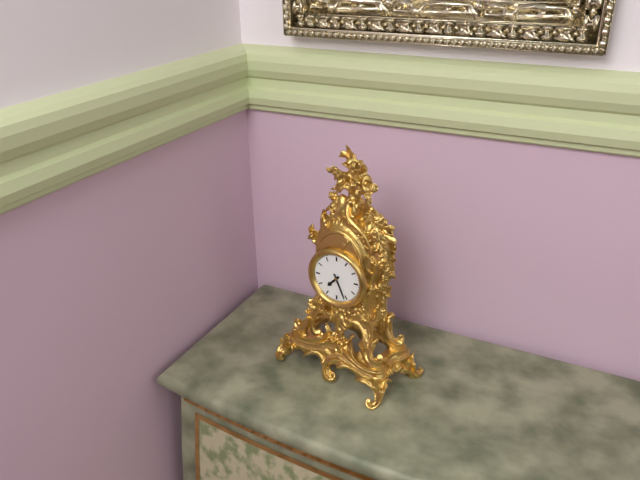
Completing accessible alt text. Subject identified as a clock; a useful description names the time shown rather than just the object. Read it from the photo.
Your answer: 7:26
